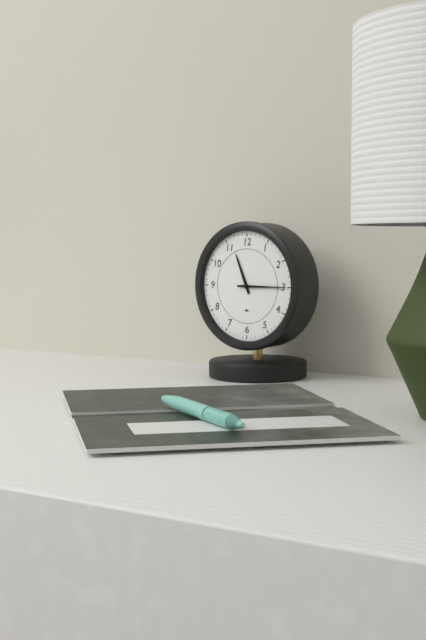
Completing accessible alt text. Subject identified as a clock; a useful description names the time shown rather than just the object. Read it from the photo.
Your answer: 11:15
